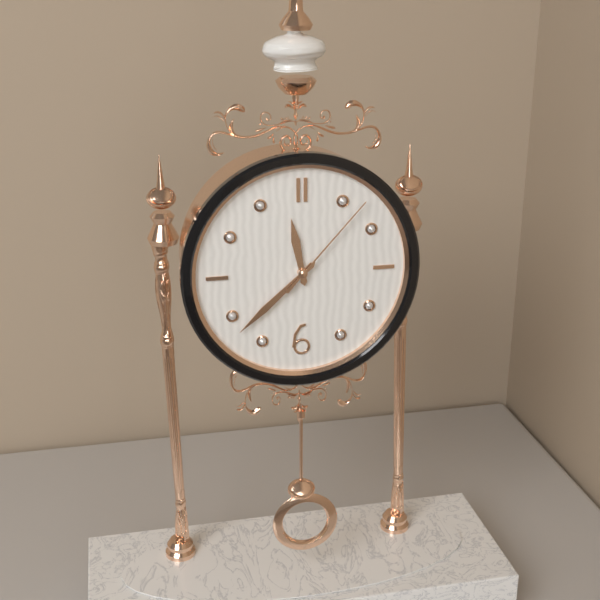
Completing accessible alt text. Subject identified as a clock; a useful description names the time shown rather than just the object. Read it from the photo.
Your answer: 11:38:07
